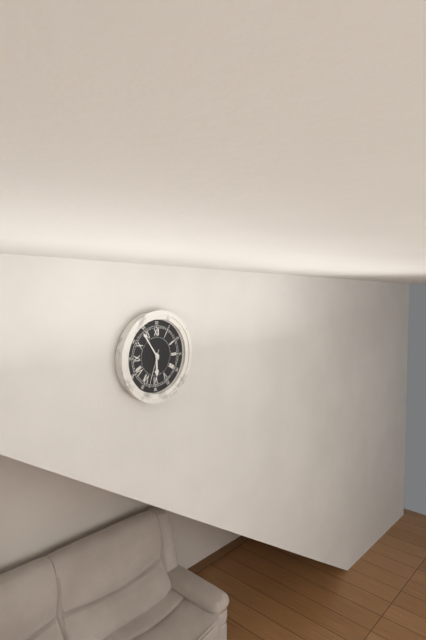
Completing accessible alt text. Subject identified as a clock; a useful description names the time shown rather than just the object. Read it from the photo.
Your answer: 5:54
